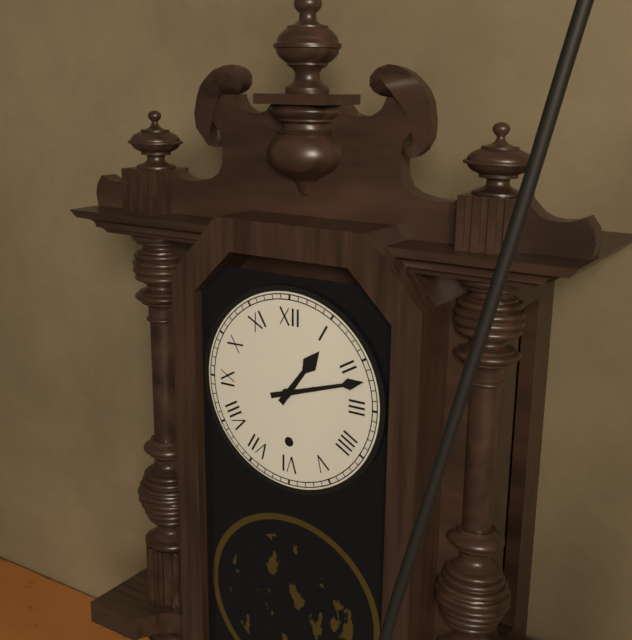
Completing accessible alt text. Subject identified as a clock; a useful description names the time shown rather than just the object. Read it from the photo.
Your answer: 1:12
